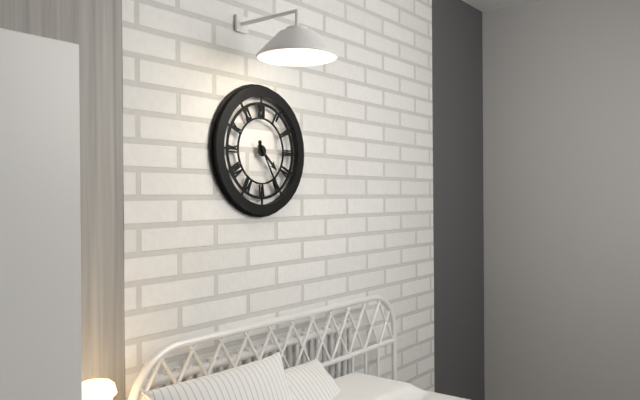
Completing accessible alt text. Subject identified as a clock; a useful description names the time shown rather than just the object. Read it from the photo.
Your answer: 4:25
